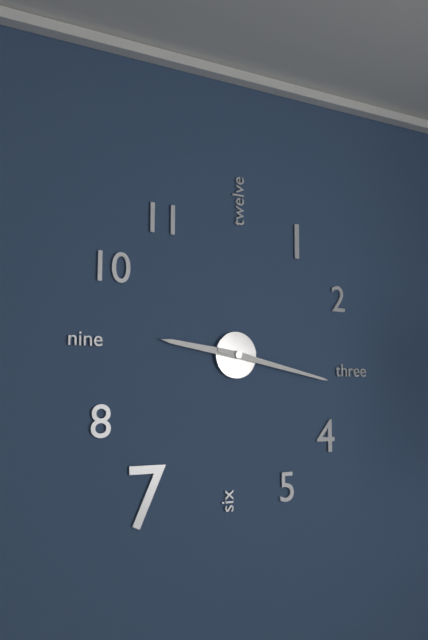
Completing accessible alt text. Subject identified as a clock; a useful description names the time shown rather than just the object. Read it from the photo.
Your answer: 9:17
